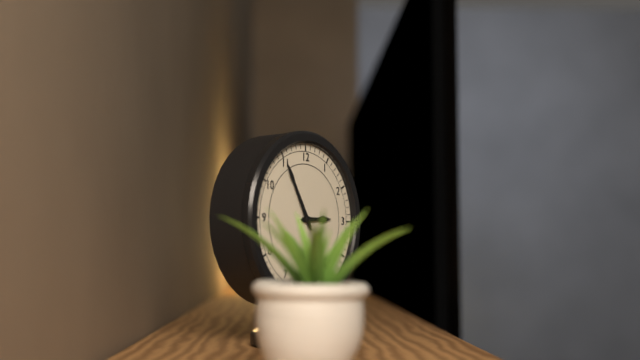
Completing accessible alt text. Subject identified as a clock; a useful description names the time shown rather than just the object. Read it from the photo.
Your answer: 2:55
